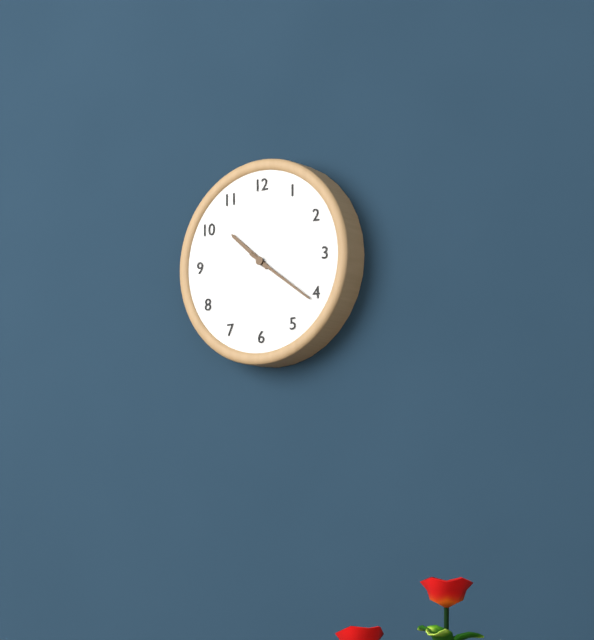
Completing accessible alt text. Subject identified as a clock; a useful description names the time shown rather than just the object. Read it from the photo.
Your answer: 10:21
